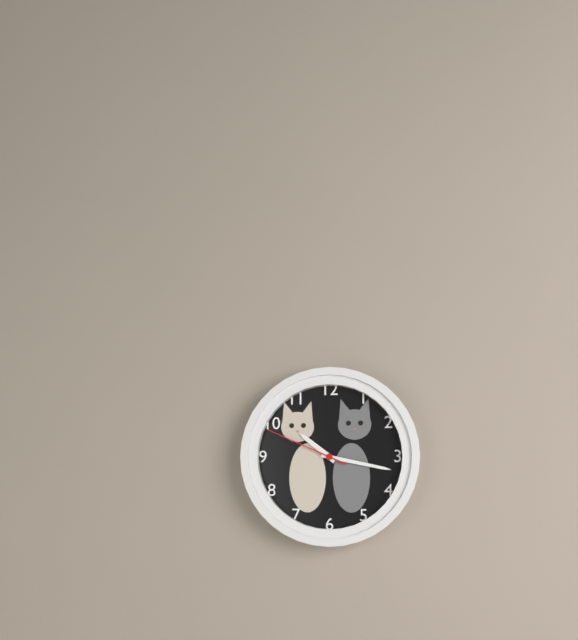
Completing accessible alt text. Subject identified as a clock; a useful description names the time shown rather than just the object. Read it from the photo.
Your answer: 10:17:49
